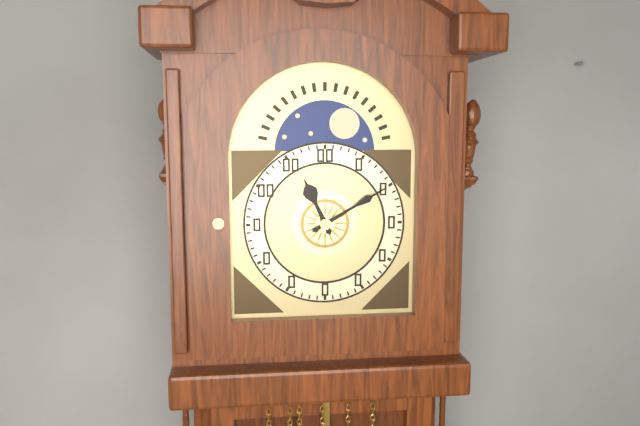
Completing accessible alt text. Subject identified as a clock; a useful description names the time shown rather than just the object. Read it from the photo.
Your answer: 11:10
